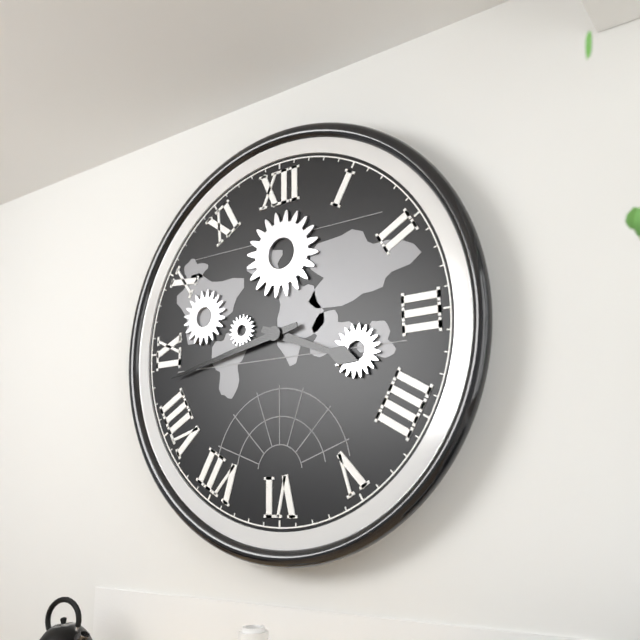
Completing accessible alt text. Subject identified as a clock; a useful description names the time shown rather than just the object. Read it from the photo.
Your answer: 3:43
